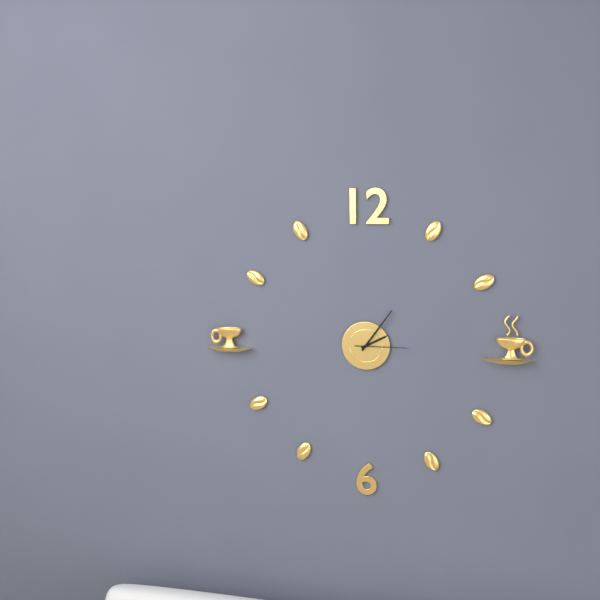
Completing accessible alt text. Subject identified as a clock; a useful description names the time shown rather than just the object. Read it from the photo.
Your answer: 2:06:15
